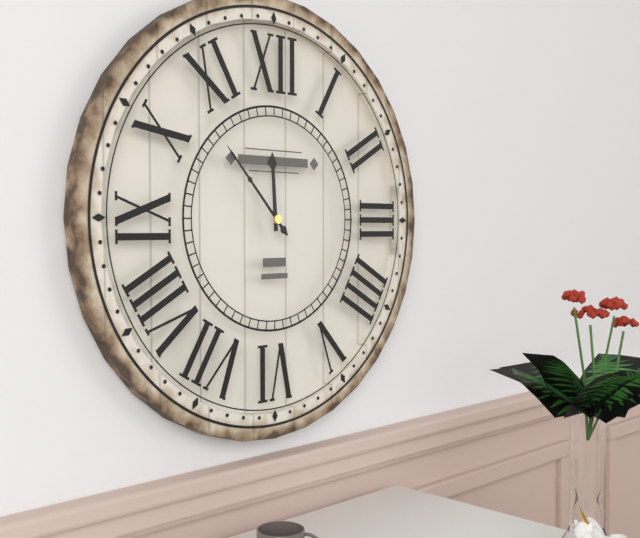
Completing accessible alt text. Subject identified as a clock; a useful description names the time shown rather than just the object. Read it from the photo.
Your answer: 11:53
